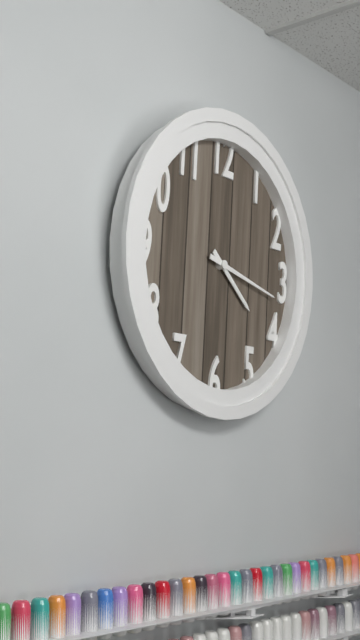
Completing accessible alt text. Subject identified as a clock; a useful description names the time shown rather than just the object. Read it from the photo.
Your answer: 4:17
